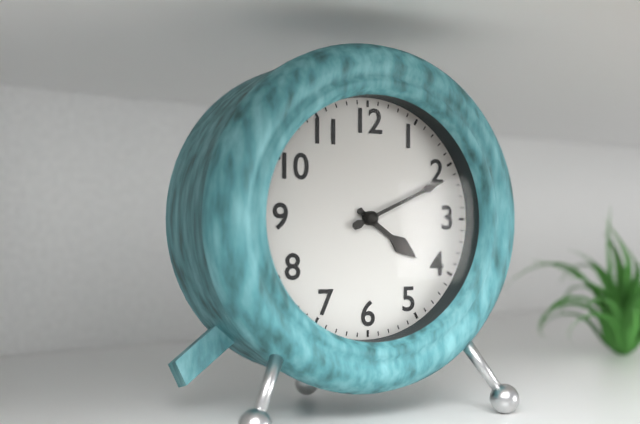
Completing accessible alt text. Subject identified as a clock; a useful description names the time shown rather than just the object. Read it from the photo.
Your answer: 4:11
